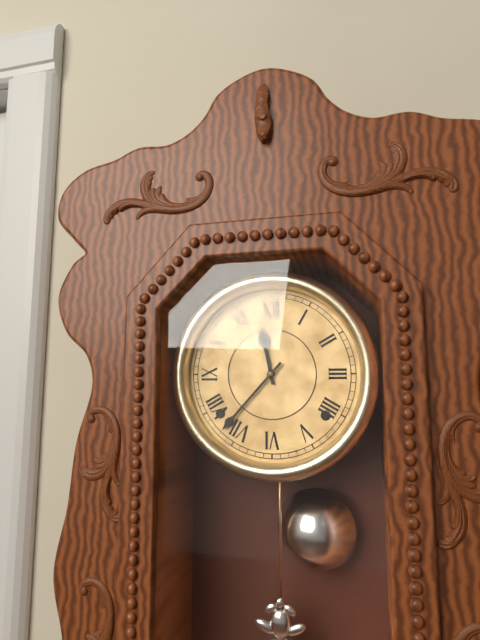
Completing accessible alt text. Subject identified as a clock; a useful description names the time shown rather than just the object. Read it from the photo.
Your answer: 11:37
